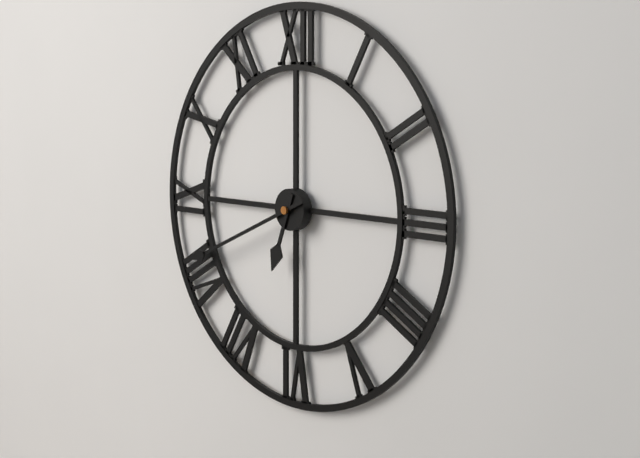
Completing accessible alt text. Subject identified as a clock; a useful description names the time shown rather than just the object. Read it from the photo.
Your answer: 6:41
